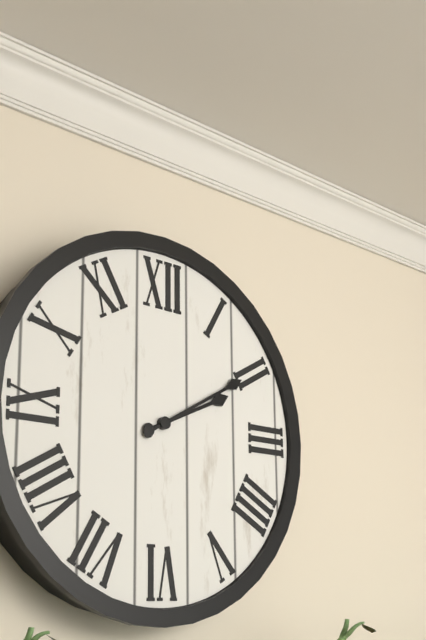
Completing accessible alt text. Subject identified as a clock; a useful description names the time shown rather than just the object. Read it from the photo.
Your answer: 2:10
